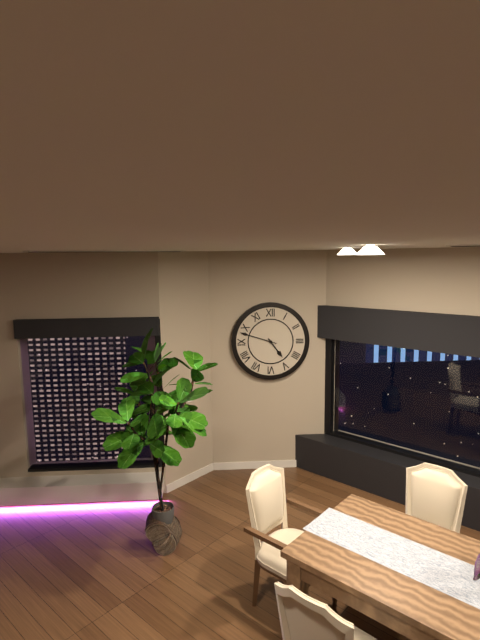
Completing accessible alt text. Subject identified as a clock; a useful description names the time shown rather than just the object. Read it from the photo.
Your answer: 4:48
